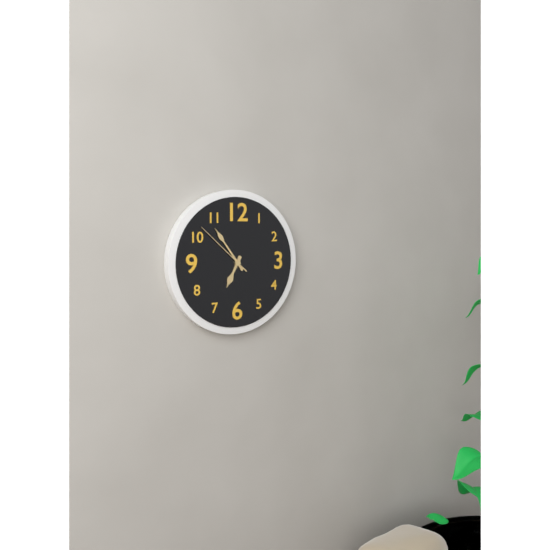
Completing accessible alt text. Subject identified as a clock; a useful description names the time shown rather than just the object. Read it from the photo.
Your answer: 6:54:52
